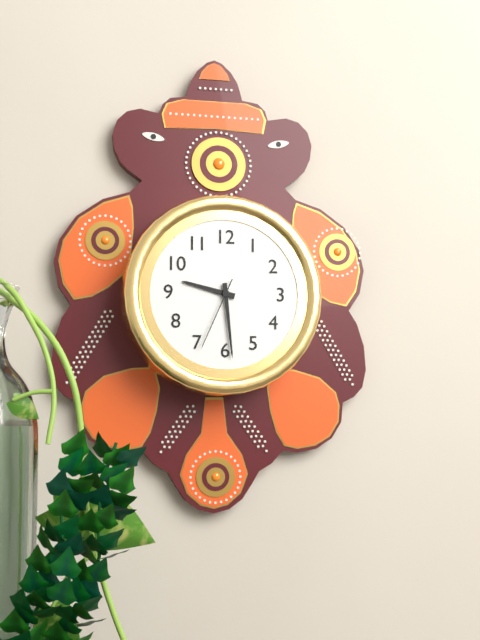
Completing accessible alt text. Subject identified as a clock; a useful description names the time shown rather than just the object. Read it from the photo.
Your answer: 9:29:34
